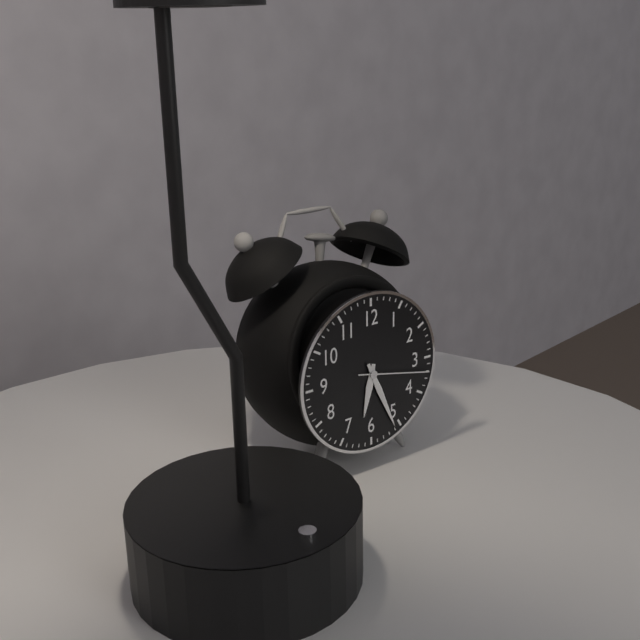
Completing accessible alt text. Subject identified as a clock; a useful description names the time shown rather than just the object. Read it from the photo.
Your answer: 6:26:17
